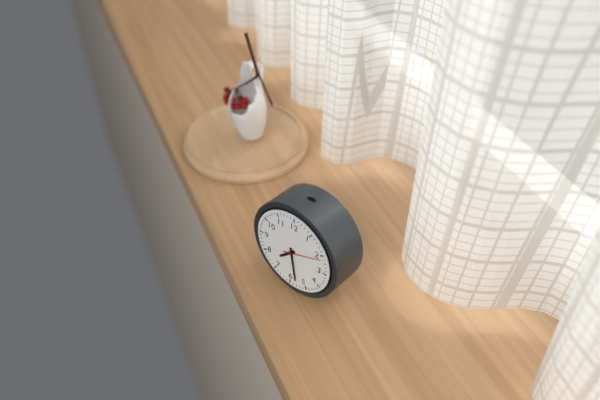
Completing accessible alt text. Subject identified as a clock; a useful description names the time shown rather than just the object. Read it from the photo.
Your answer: 7:28
